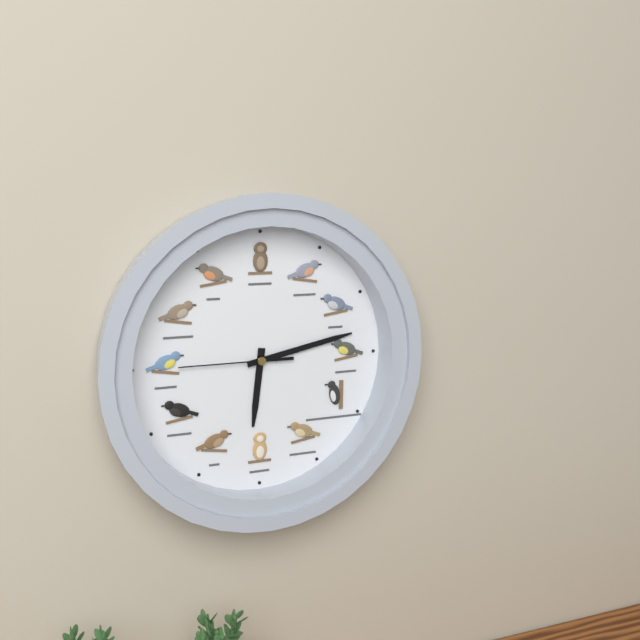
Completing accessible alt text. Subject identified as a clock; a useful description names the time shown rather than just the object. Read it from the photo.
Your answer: 6:13:45
